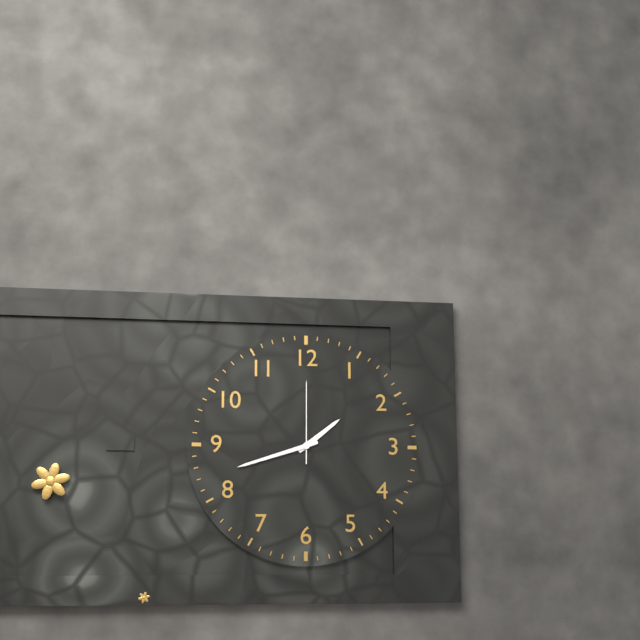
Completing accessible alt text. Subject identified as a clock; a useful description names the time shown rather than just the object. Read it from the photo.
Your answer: 1:42:00
